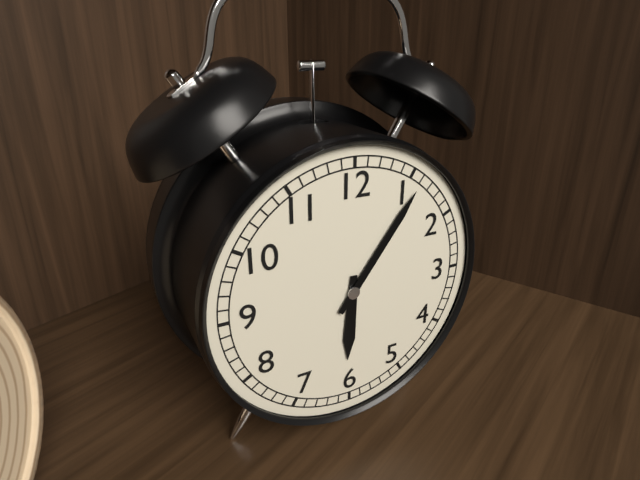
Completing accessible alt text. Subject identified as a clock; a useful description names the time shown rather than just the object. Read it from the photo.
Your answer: 6:06
